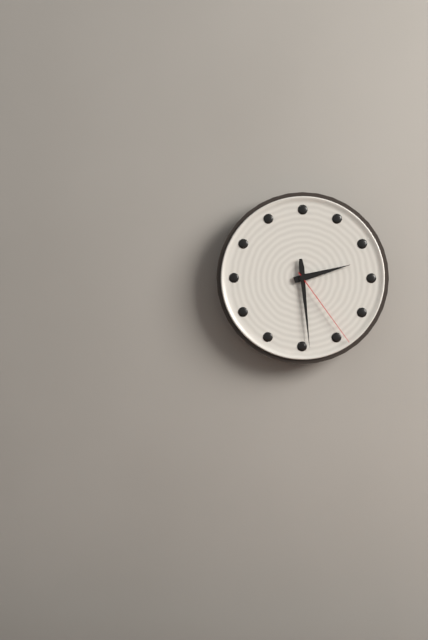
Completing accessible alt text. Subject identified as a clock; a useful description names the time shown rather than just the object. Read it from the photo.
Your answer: 2:29:24
